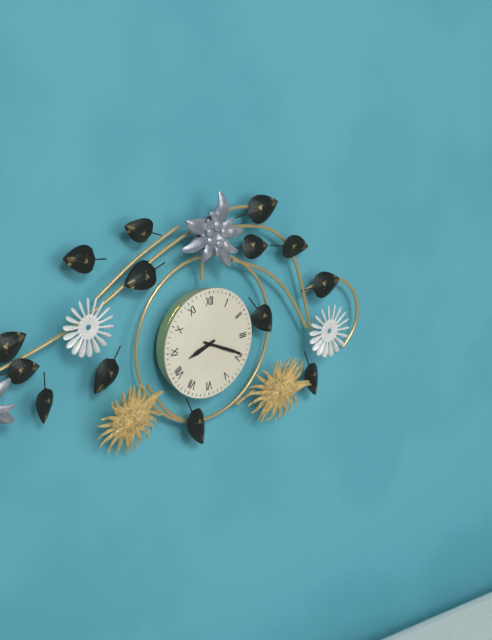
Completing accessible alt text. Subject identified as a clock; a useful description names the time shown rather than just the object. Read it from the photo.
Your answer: 8:19
